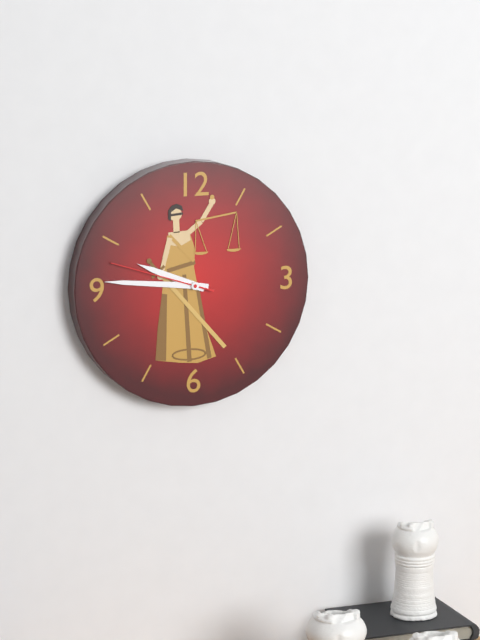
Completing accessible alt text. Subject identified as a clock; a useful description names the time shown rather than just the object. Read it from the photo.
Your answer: 9:46:48
